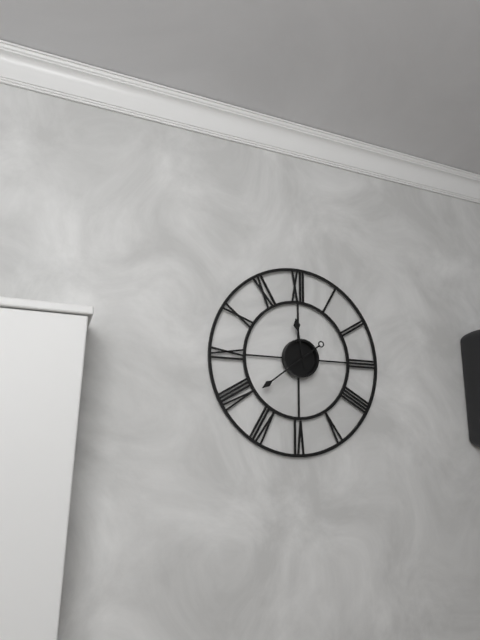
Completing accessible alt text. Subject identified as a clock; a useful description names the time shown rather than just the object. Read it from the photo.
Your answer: 11:39
